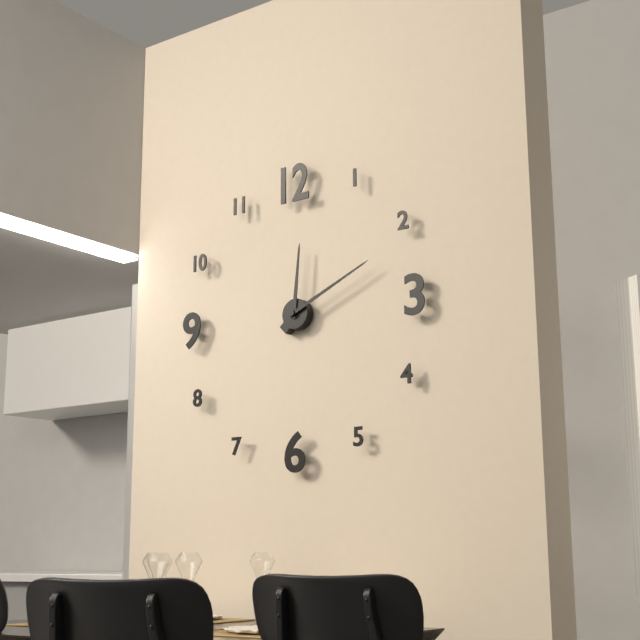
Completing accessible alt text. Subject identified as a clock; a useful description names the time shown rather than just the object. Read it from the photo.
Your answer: 12:11
